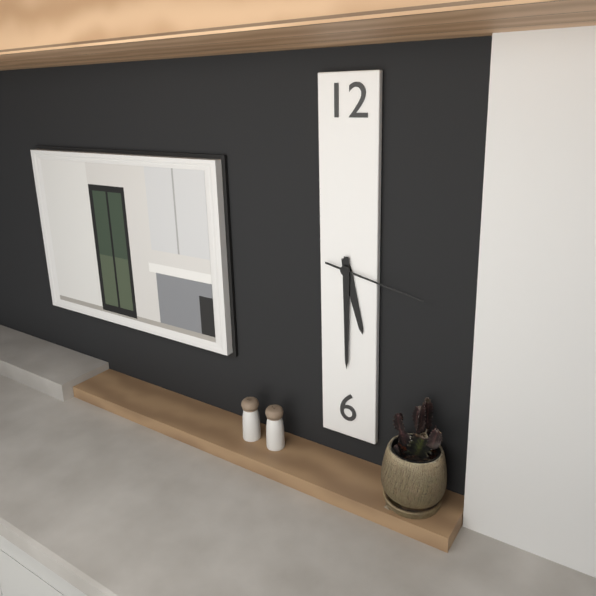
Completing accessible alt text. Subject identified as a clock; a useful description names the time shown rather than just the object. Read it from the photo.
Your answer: 5:30:17
